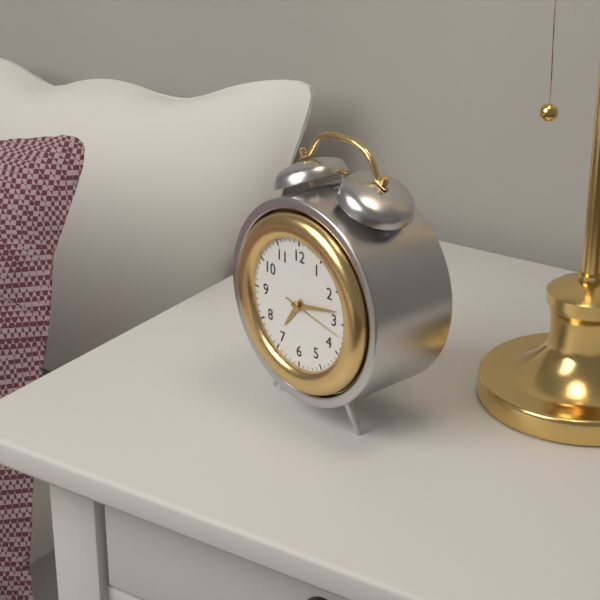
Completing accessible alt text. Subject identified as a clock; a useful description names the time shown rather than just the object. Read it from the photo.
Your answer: 7:13:17
